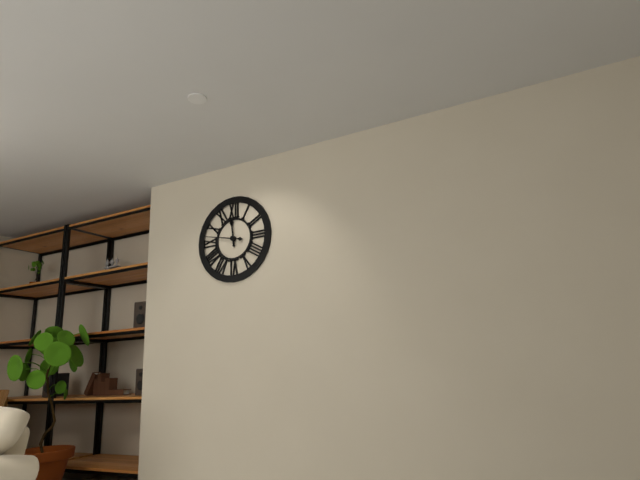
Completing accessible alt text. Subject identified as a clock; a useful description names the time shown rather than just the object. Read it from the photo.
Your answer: 11:47
